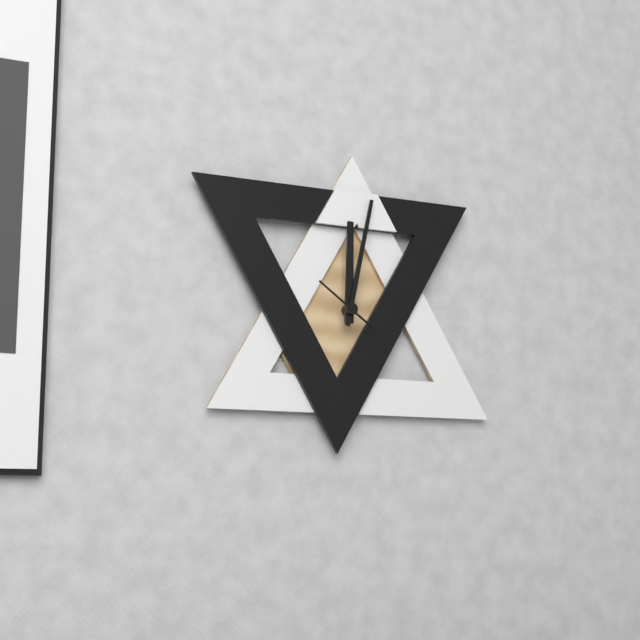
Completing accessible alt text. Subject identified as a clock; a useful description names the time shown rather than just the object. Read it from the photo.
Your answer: 12:02
